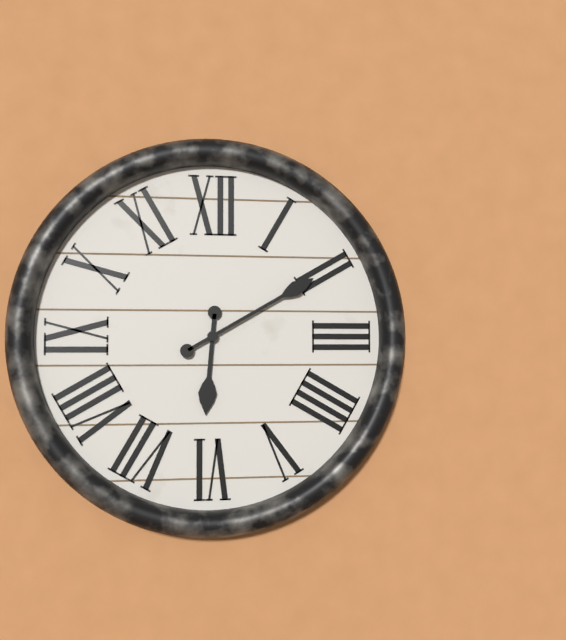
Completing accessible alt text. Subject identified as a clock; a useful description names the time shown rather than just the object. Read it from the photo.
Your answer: 6:10
